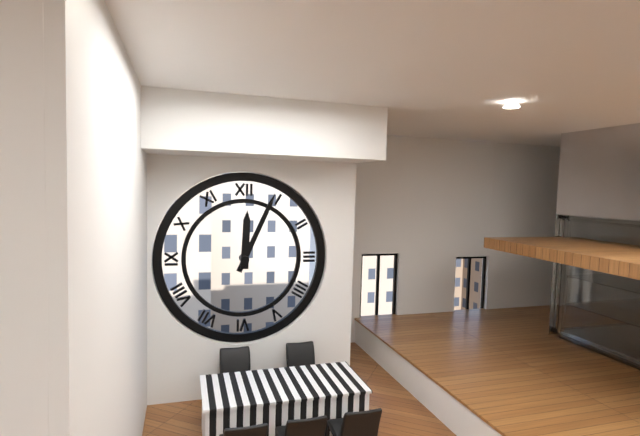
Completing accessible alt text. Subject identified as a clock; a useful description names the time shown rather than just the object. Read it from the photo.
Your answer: 12:04
